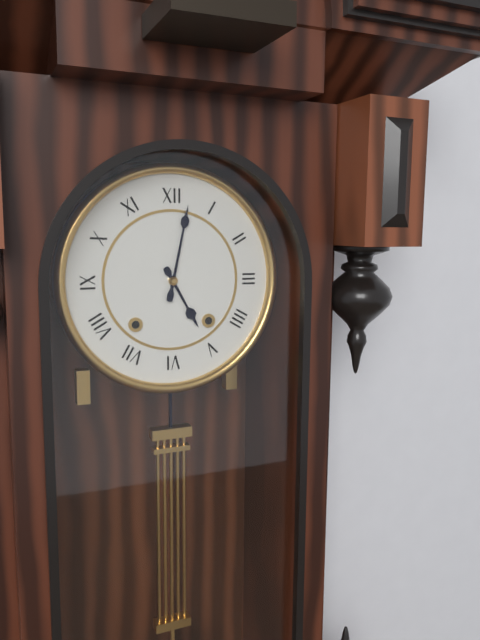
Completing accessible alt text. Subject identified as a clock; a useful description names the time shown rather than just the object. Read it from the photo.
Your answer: 5:02
